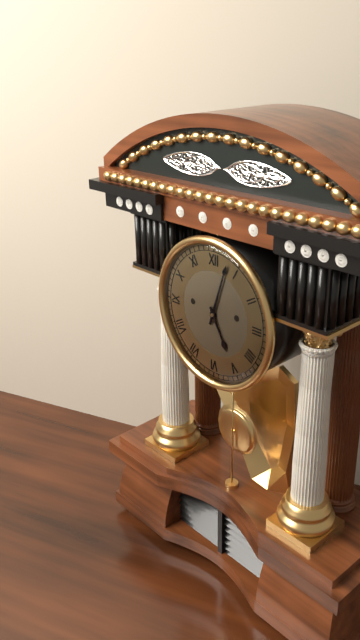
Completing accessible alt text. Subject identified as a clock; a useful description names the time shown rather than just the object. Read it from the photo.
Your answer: 5:03
